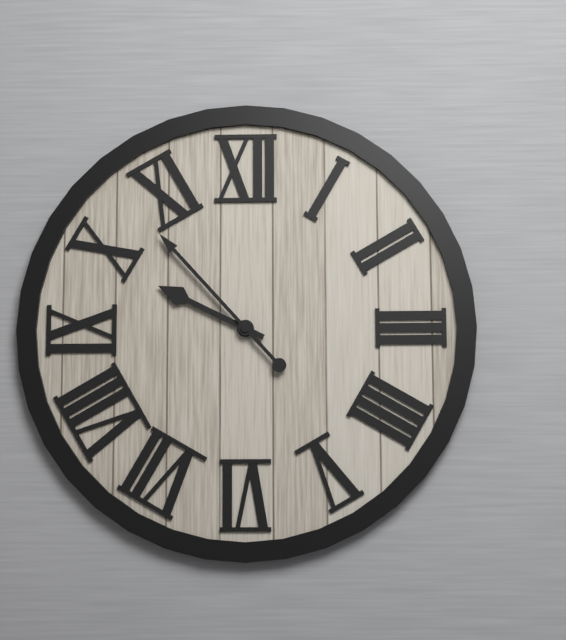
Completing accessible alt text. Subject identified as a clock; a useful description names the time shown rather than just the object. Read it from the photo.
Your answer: 9:53
